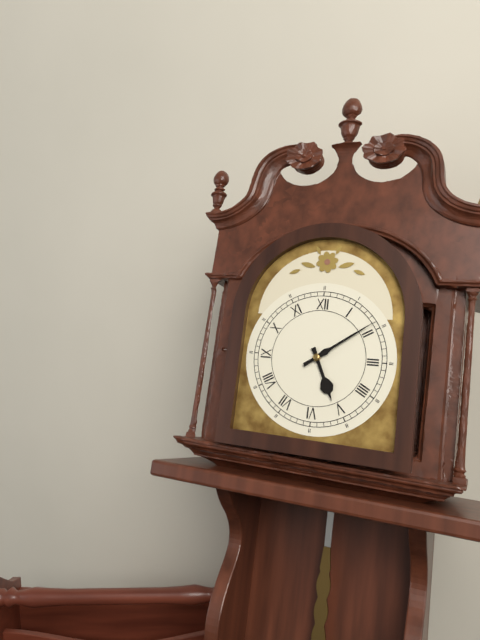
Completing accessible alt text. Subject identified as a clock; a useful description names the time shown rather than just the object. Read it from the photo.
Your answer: 5:09
